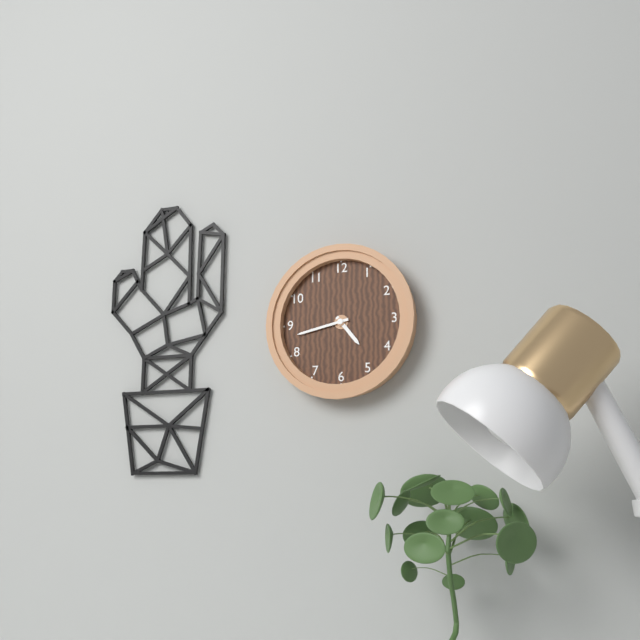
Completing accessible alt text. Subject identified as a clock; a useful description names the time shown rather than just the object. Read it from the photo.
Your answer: 4:43
